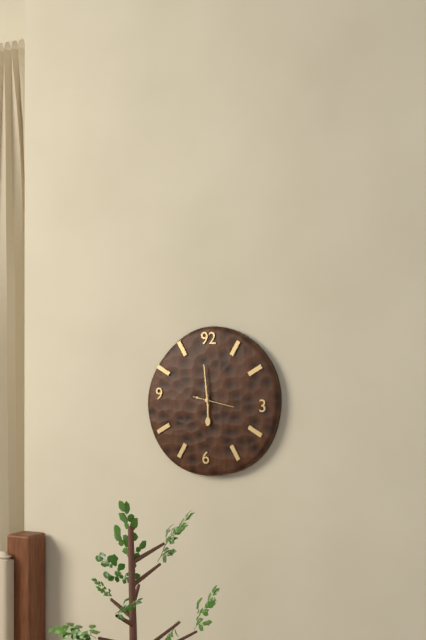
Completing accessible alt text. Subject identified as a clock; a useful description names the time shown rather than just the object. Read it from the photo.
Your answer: 5:59
